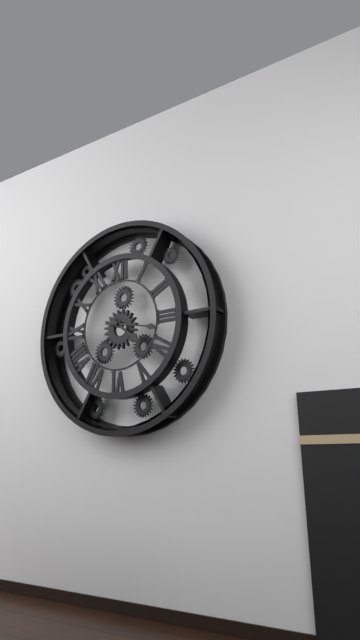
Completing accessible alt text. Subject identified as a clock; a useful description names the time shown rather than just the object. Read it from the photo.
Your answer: 4:17
